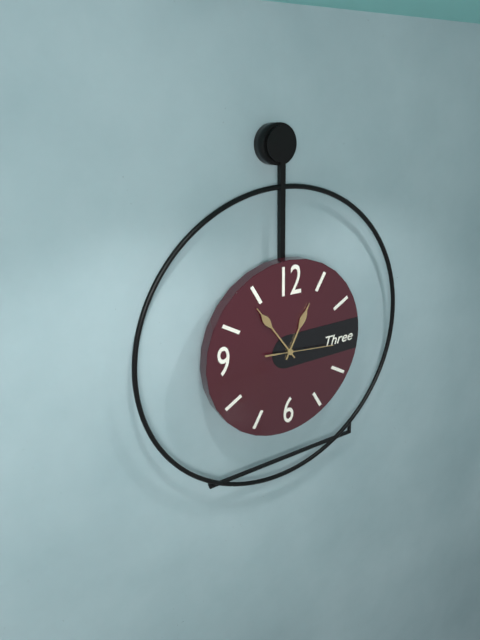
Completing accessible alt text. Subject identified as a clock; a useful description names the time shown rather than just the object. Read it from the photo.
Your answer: 12:54:16
